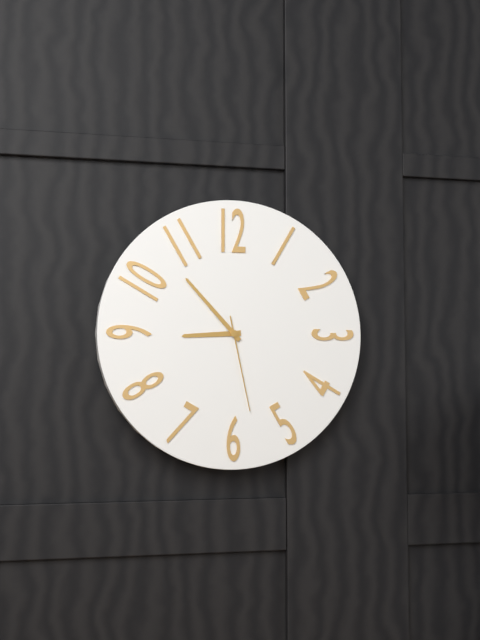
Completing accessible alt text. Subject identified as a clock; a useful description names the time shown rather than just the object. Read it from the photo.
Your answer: 8:53:28
